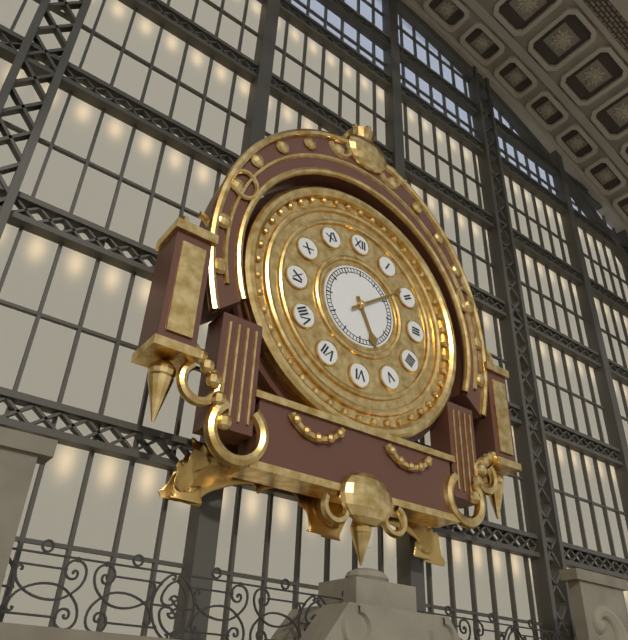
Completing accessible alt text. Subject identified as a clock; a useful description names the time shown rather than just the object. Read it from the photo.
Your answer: 5:09
